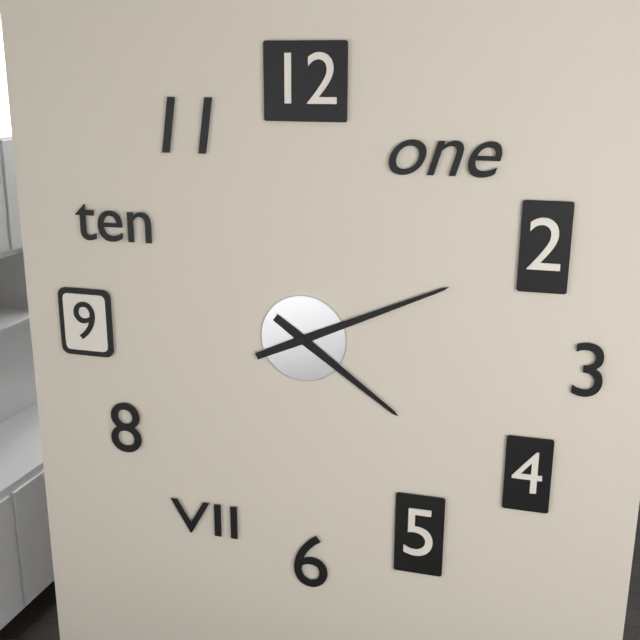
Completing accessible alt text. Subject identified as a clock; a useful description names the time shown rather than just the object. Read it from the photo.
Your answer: 4:11
